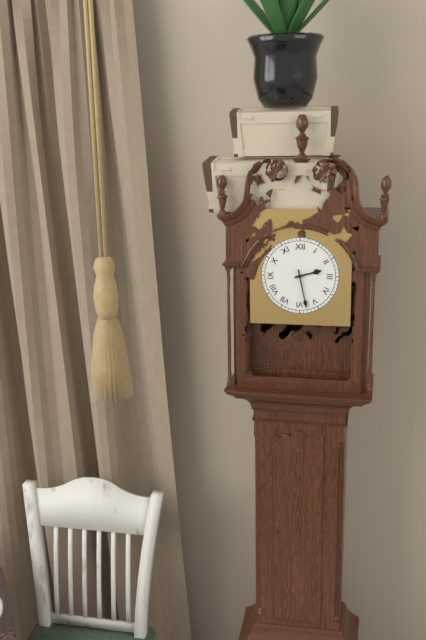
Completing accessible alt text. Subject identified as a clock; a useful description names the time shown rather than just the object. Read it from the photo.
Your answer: 2:28
